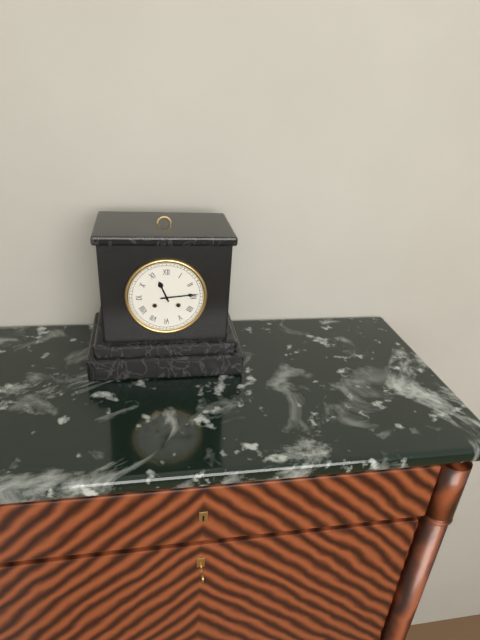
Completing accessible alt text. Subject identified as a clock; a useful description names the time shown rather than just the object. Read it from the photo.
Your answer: 11:14
